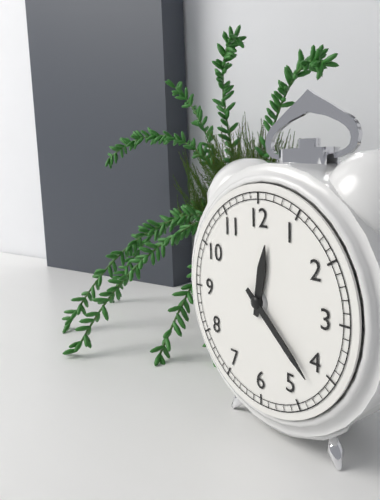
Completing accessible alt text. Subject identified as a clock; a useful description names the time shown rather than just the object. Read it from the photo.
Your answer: 12:22
